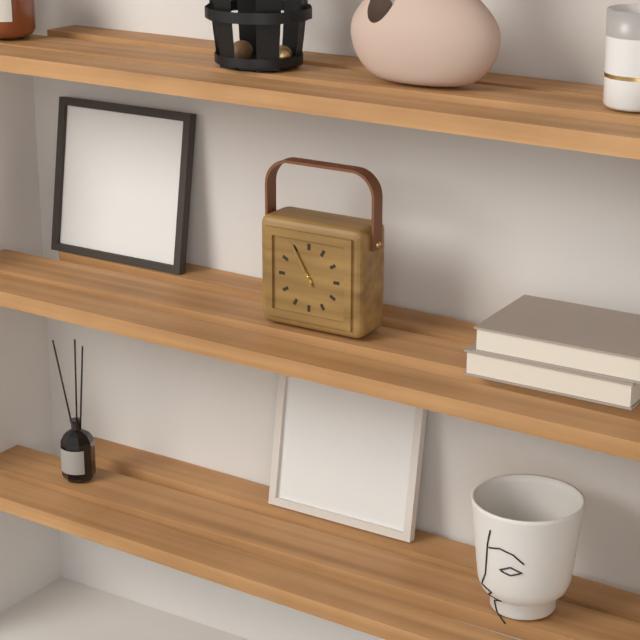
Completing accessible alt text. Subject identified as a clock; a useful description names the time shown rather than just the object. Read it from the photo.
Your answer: 10:55
